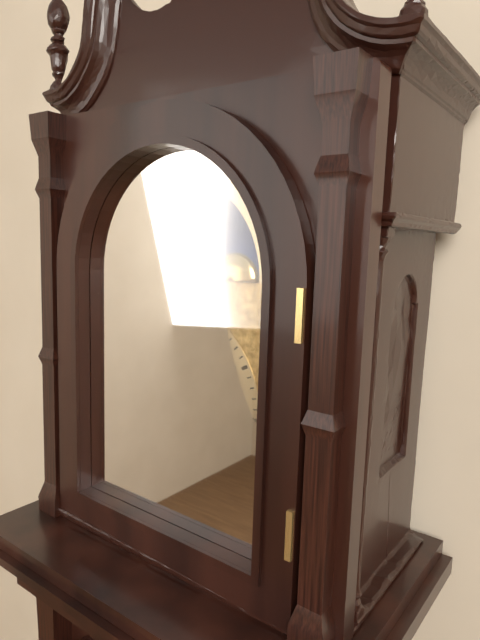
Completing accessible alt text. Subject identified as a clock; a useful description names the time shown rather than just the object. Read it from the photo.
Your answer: 9:54
